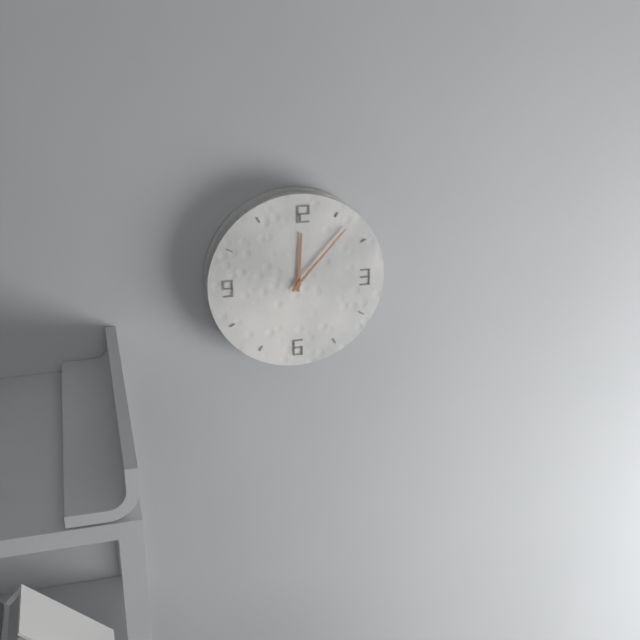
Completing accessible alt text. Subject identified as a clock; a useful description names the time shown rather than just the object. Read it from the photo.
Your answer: 12:07
